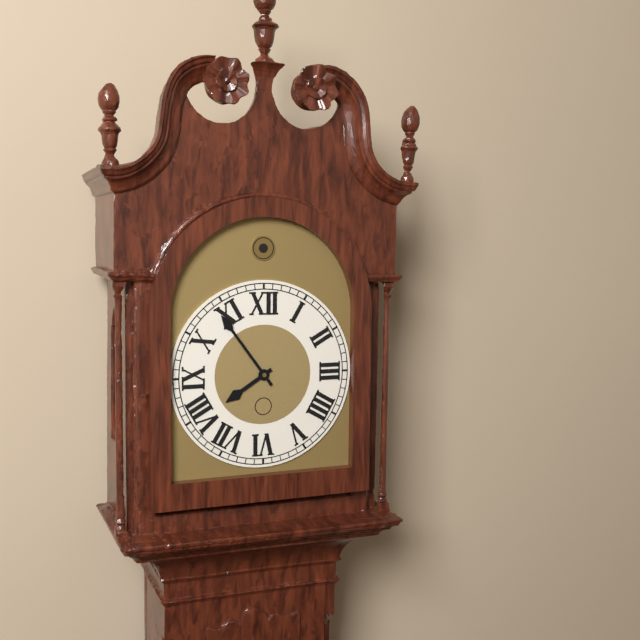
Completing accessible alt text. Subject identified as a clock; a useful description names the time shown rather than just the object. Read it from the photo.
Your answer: 7:54
